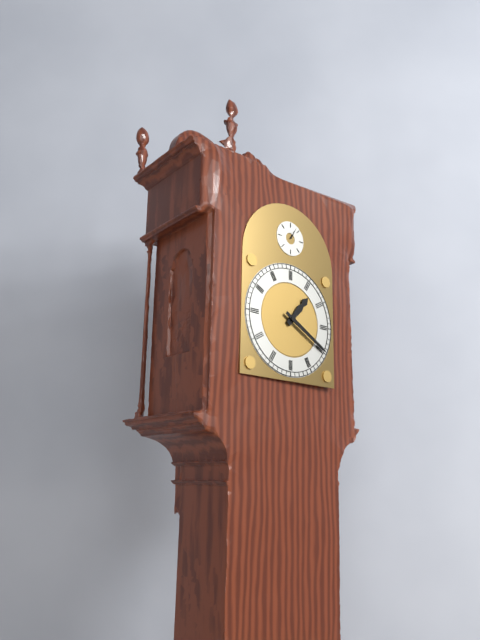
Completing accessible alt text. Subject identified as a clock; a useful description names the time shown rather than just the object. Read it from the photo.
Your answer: 1:20
